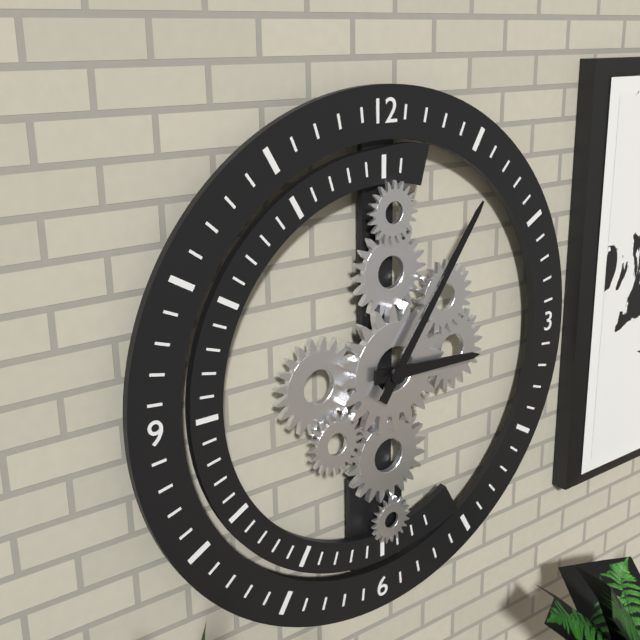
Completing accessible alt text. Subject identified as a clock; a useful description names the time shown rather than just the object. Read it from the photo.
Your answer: 3:06
